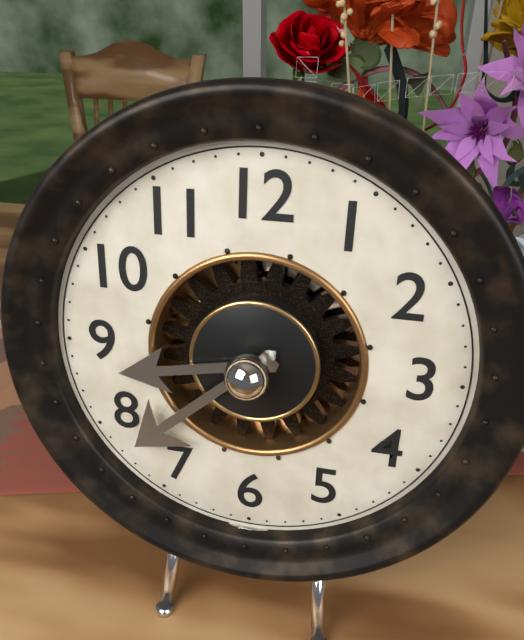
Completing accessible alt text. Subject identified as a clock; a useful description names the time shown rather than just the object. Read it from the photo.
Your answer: 8:38
